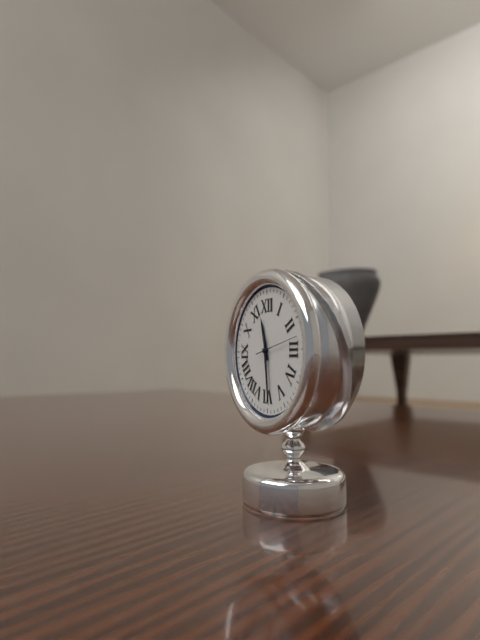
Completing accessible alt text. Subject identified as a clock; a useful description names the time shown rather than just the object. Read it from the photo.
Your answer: 11:29
